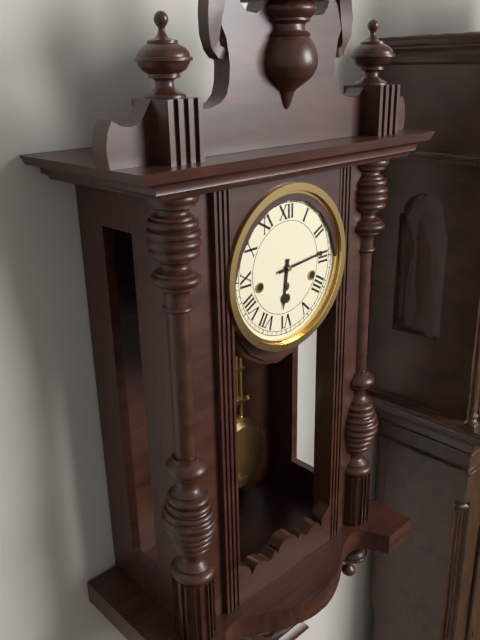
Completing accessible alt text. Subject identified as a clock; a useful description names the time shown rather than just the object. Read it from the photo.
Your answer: 6:14
